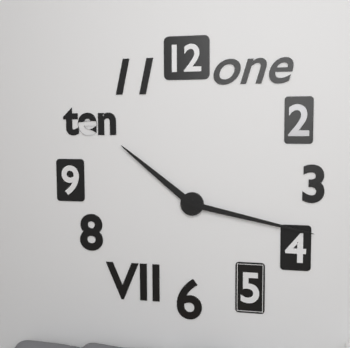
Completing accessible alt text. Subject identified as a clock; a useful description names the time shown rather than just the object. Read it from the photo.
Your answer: 10:17
